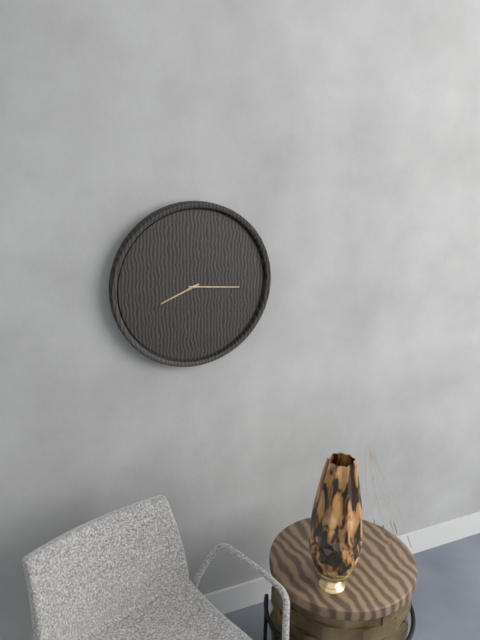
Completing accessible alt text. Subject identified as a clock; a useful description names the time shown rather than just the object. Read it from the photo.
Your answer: 8:16
